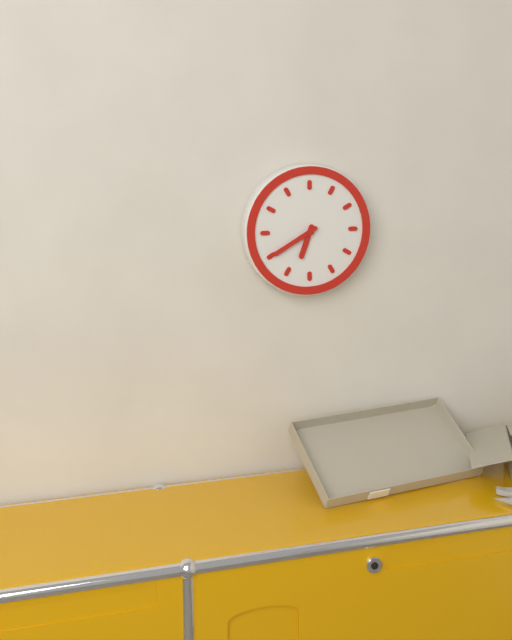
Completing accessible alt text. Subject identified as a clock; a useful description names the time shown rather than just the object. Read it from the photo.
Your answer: 6:40
